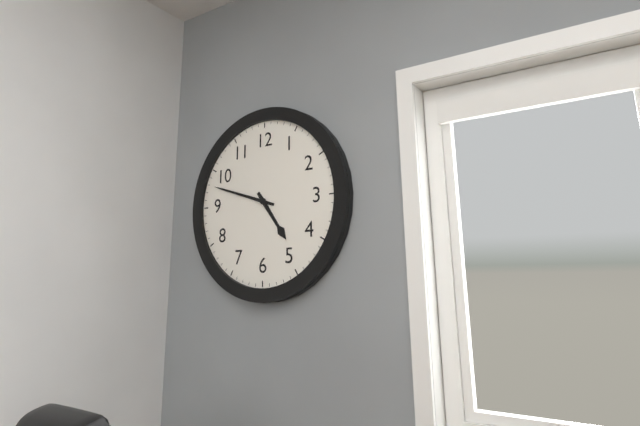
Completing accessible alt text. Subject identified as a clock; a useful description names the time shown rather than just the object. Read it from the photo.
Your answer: 4:48
